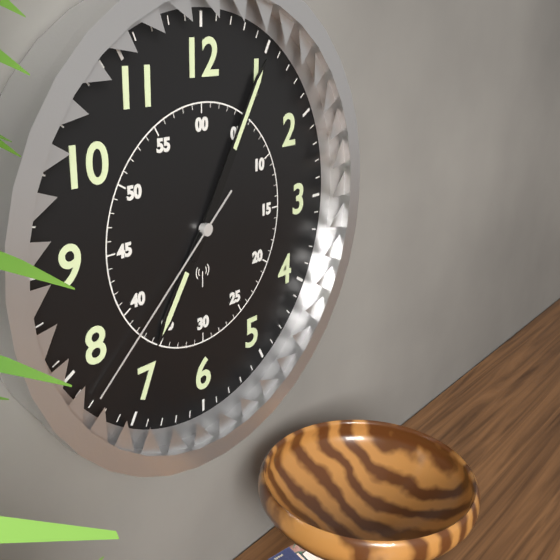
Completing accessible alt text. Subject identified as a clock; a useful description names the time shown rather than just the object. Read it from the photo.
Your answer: 7:05:38
